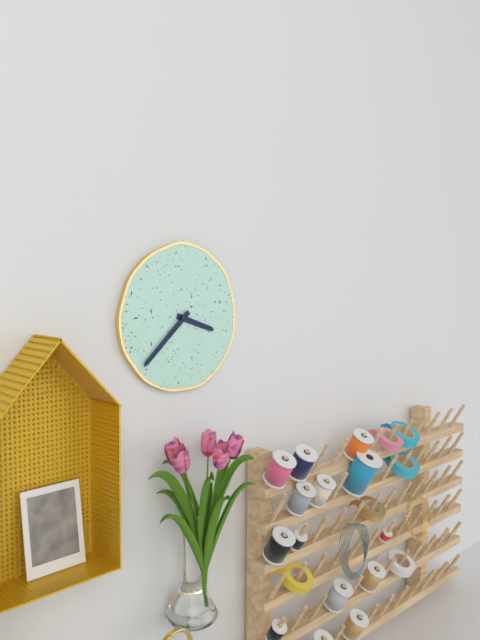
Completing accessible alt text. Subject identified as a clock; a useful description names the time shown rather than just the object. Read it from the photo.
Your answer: 3:38
